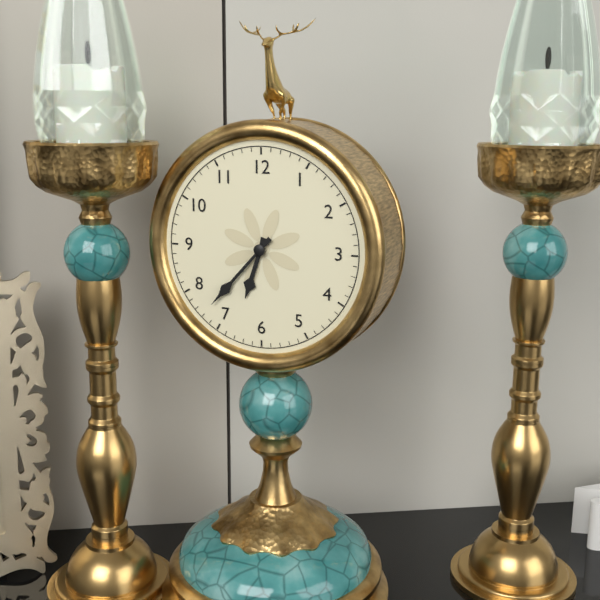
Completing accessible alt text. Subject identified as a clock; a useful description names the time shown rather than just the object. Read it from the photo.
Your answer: 6:37
